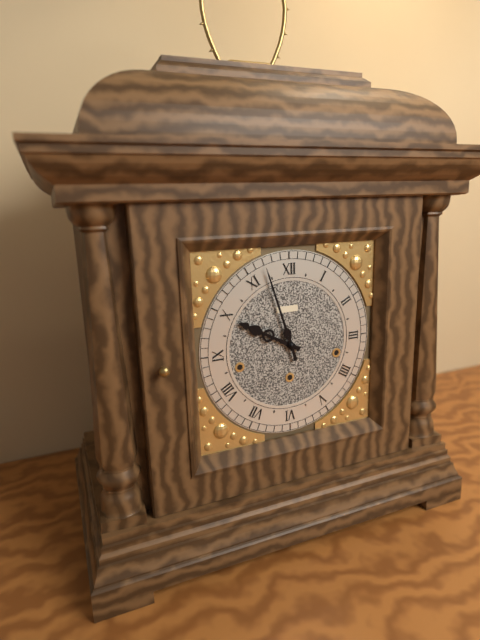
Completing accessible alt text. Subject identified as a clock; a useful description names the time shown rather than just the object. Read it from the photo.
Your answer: 9:57
